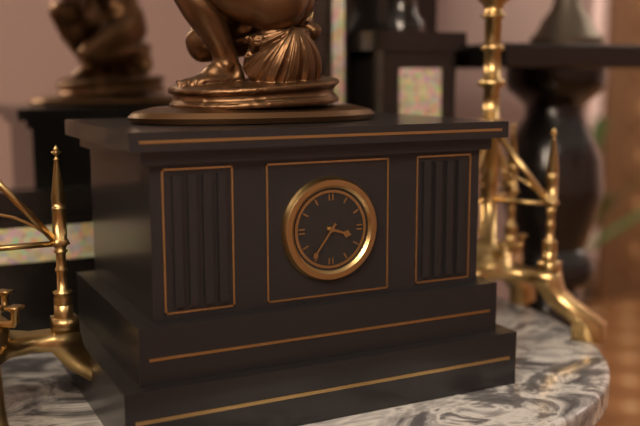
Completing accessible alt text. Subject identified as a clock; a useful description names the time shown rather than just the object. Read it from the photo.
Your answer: 3:36
